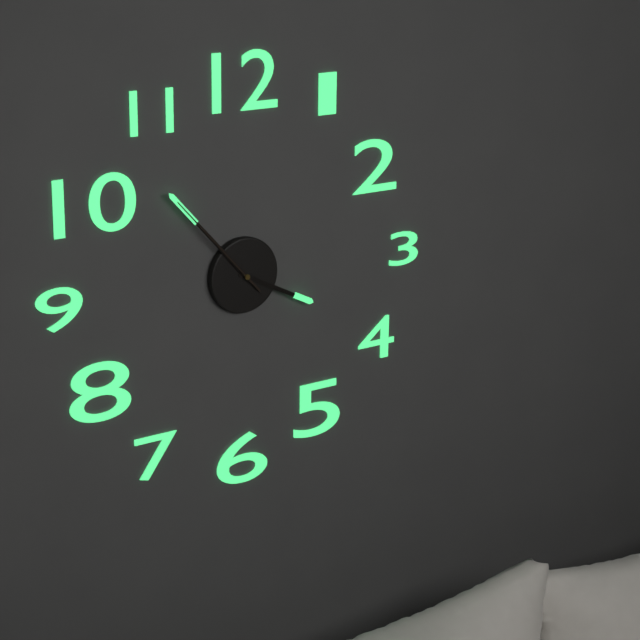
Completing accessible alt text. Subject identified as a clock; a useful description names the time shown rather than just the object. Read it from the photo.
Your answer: 3:53:53
